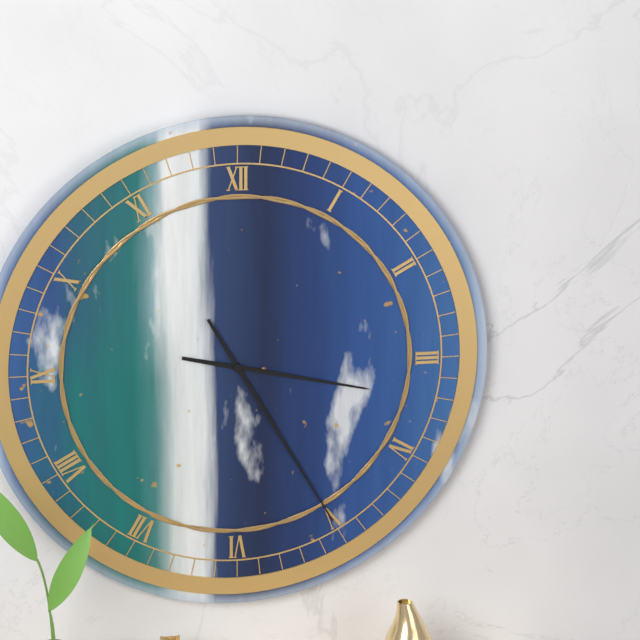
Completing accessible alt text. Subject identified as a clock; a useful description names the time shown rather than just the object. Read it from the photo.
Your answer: 3:25
